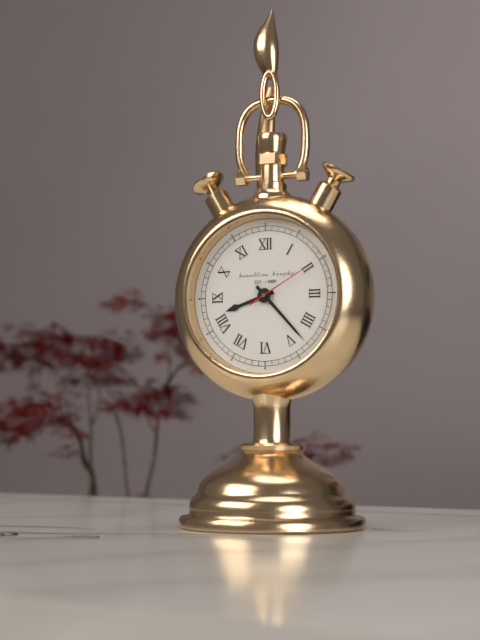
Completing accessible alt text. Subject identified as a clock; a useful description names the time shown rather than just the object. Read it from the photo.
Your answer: 8:23:10
